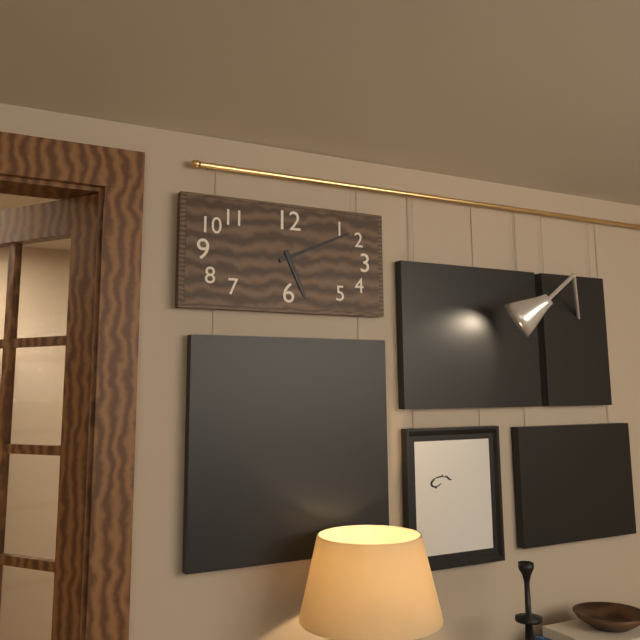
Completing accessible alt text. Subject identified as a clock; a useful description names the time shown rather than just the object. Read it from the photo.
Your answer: 5:11
